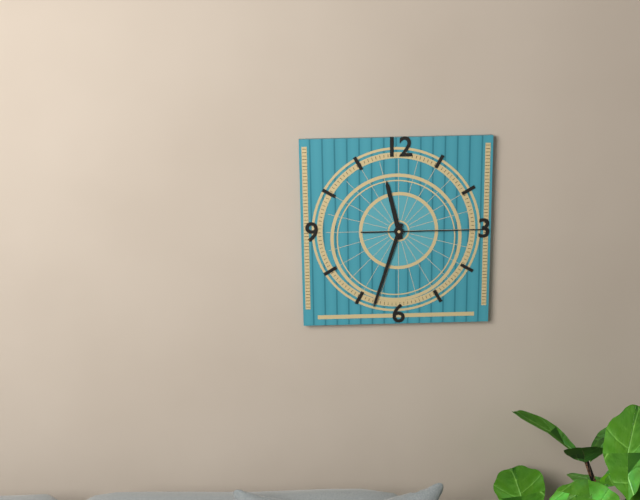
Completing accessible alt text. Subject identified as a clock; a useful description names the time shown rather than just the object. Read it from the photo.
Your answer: 11:33:15
